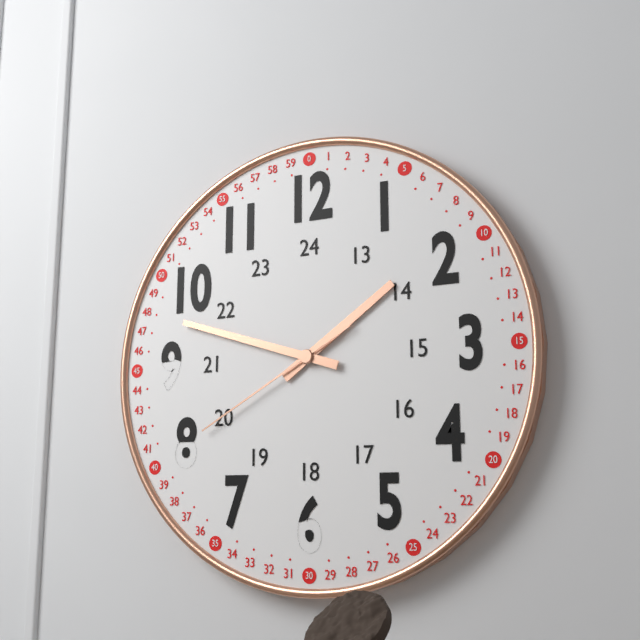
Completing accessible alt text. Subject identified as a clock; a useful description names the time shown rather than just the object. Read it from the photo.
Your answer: 1:48:40
